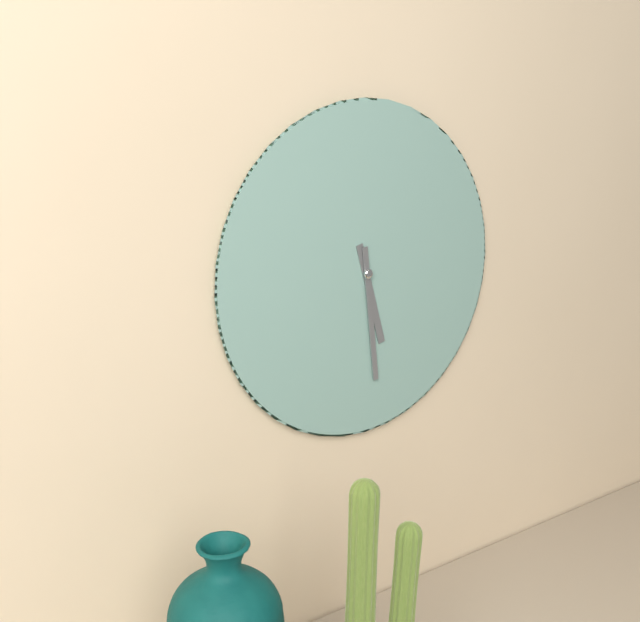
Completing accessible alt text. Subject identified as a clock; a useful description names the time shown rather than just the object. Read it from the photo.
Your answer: 5:29
